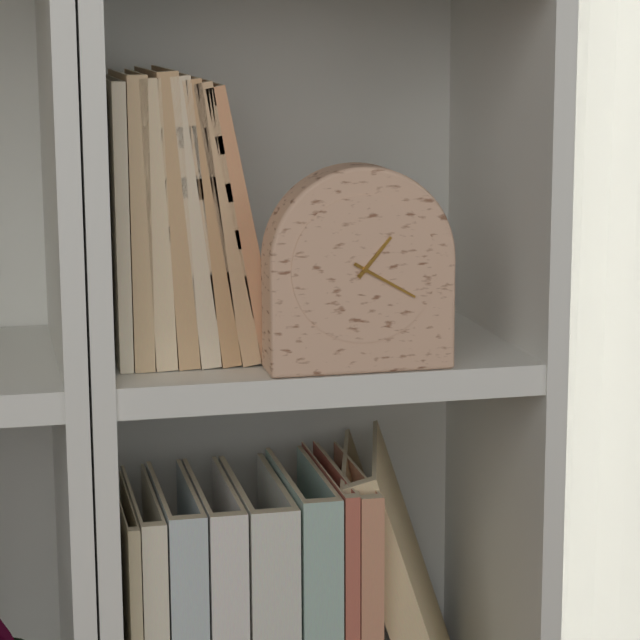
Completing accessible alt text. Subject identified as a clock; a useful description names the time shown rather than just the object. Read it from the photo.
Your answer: 1:20
